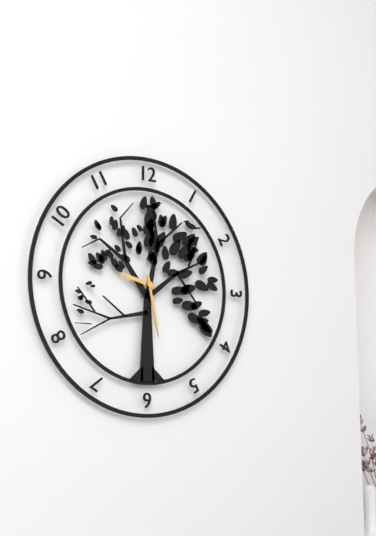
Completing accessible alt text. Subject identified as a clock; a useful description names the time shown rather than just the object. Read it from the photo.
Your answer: 9:28
